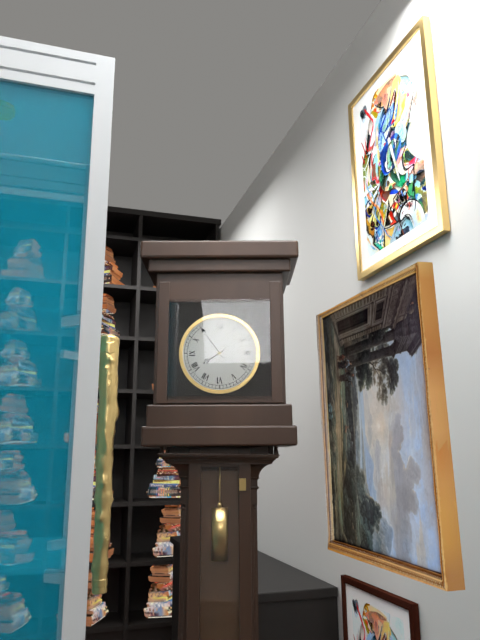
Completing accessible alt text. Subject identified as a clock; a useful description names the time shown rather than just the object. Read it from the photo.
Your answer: 7:54
